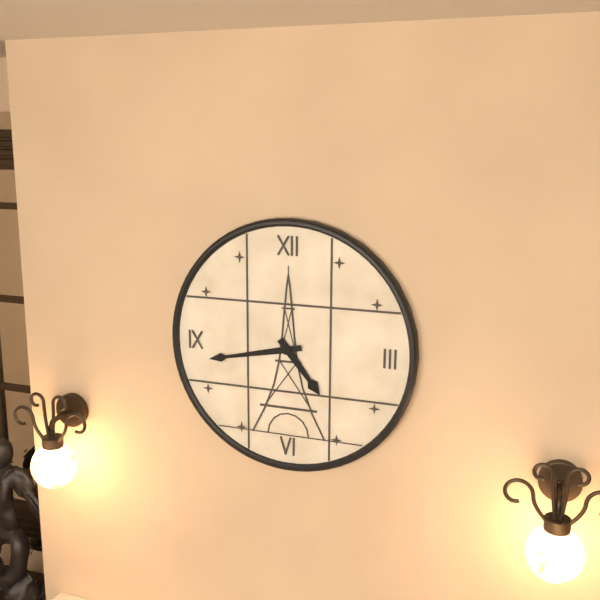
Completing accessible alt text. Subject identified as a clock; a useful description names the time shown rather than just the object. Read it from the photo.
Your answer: 4:43
